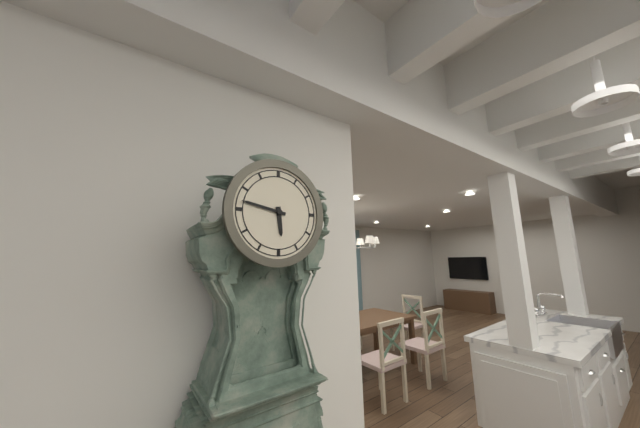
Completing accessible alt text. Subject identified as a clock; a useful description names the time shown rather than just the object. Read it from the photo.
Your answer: 5:47
